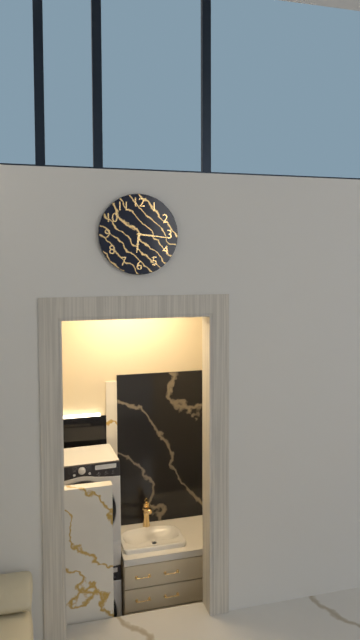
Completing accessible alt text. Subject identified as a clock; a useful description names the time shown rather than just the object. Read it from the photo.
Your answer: 6:16
